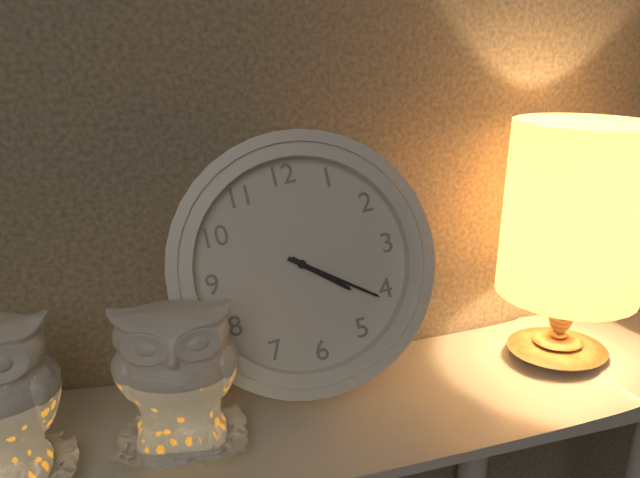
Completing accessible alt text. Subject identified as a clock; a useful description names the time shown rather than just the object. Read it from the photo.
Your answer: 4:21
